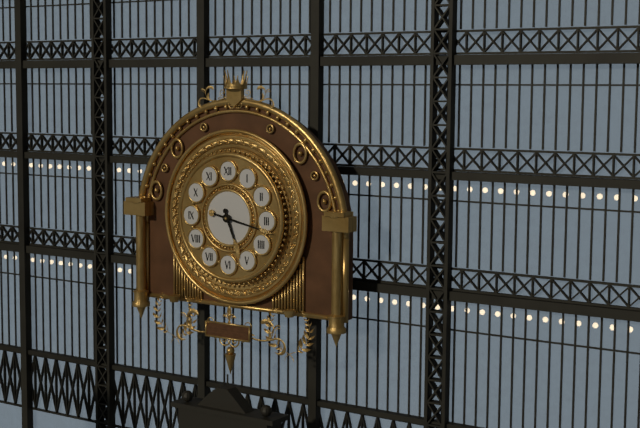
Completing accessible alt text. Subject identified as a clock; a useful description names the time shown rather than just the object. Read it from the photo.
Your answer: 5:17
